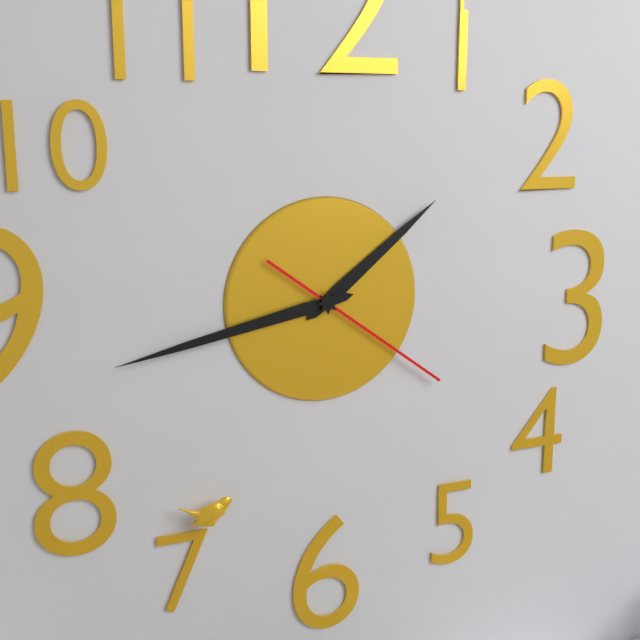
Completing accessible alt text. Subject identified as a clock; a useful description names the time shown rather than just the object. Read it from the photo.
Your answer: 1:43:21
